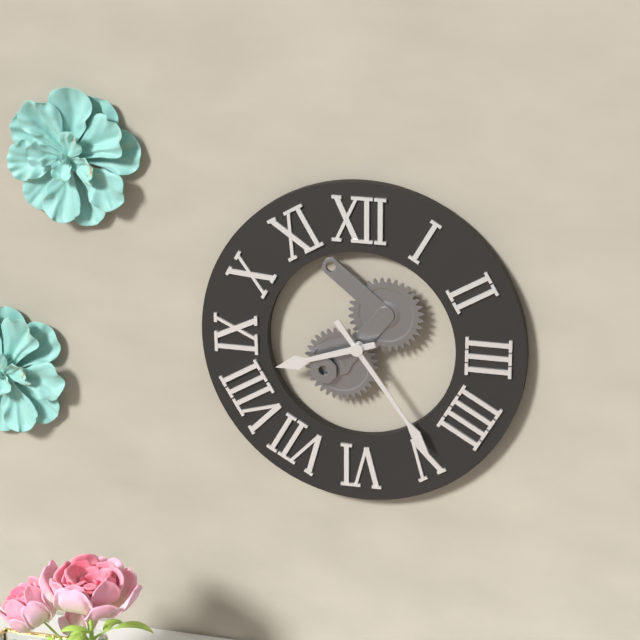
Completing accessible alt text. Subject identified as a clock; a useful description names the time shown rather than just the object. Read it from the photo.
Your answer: 8:24
